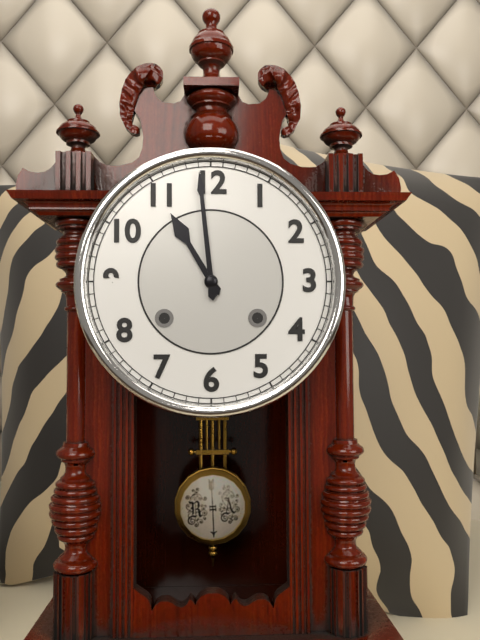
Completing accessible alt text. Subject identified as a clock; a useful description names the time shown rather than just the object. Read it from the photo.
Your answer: 10:59
